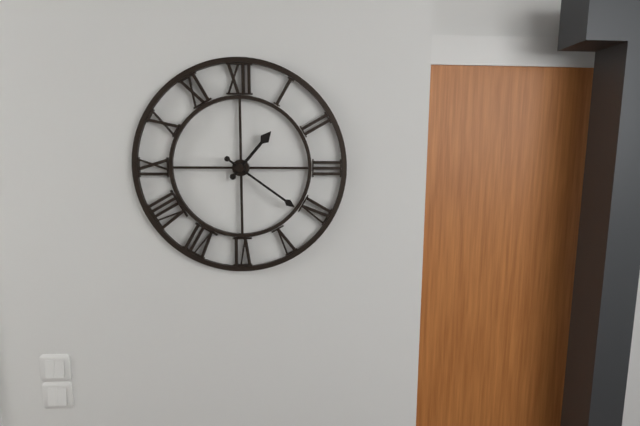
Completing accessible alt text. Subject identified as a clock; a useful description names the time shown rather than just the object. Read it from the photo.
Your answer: 1:21
